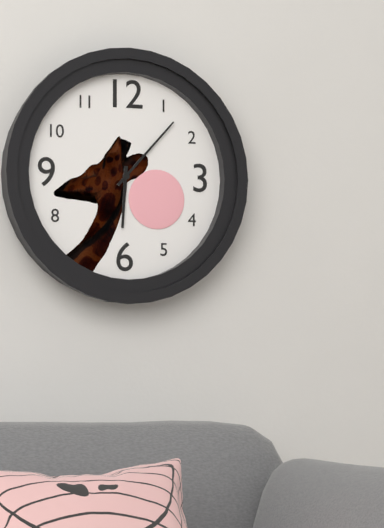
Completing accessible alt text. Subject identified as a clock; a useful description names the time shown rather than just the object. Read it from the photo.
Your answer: 6:07
